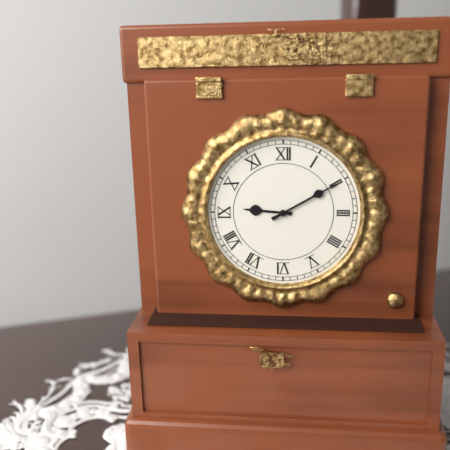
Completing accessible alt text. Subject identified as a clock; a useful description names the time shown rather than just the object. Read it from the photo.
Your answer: 9:10
